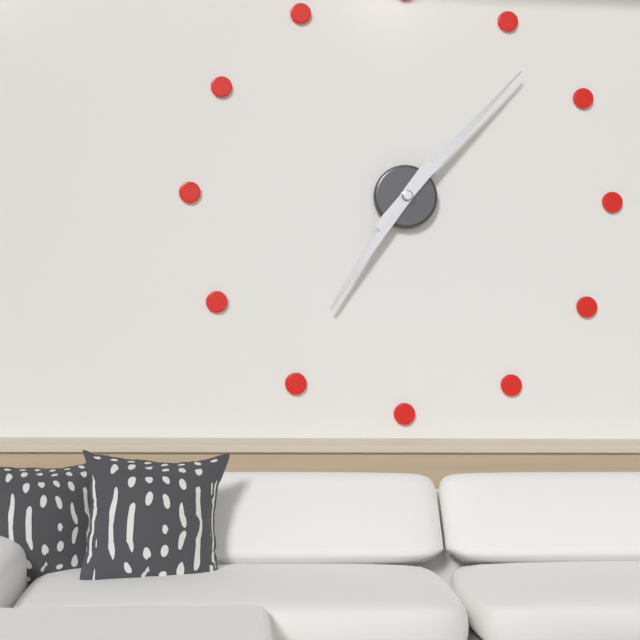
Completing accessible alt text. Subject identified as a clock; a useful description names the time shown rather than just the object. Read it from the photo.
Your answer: 7:07
